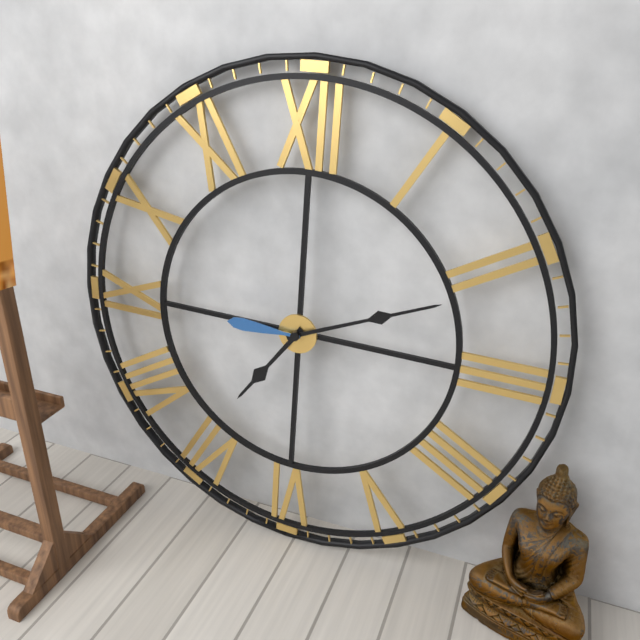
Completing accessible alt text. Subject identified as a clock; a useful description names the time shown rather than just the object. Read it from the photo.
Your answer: 7:11:45
